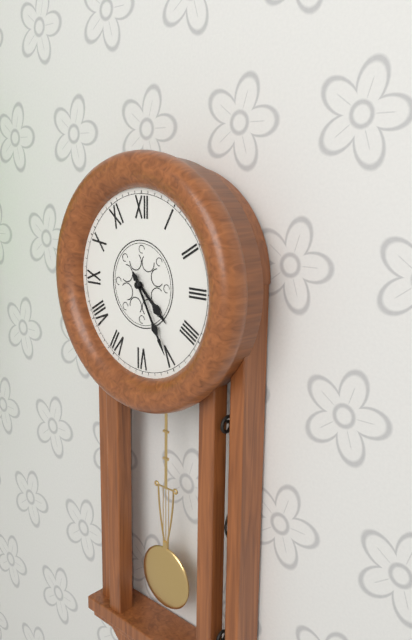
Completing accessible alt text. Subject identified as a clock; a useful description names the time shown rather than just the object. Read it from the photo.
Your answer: 4:25
